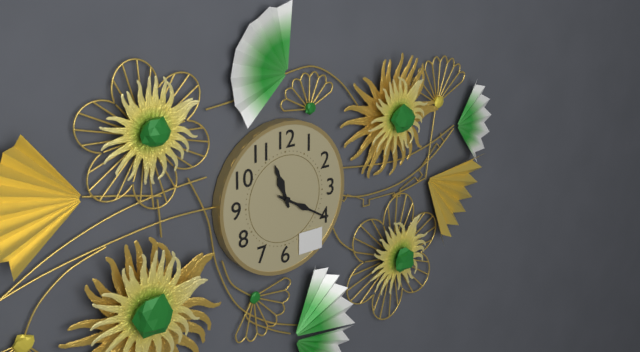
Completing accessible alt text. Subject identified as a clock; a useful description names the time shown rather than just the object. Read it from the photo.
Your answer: 11:20
